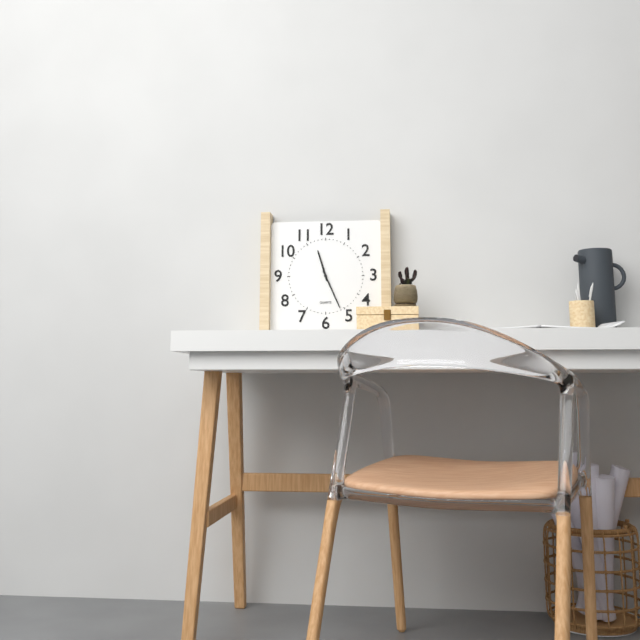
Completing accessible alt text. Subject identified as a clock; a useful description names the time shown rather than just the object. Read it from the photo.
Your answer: 11:26
